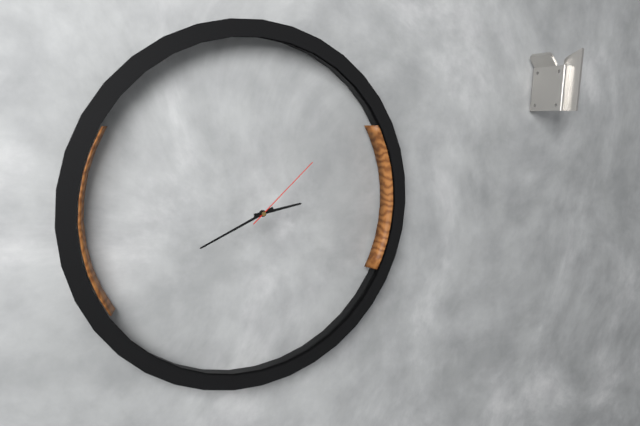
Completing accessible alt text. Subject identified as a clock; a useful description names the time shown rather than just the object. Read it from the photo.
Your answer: 2:41:08
